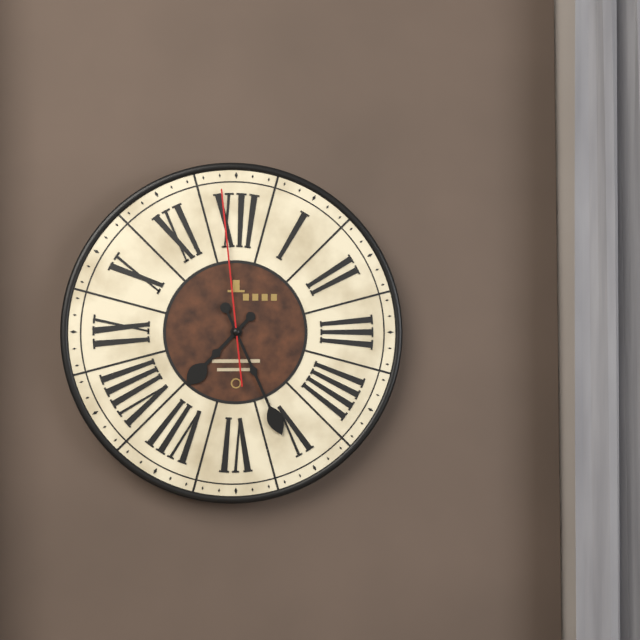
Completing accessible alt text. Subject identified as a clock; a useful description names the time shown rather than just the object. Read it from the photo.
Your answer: 7:26:59
